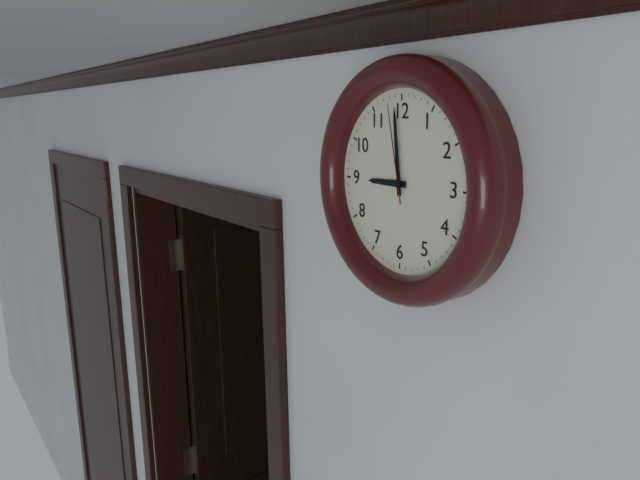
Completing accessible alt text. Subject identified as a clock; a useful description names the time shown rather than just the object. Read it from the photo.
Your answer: 8:59:58
